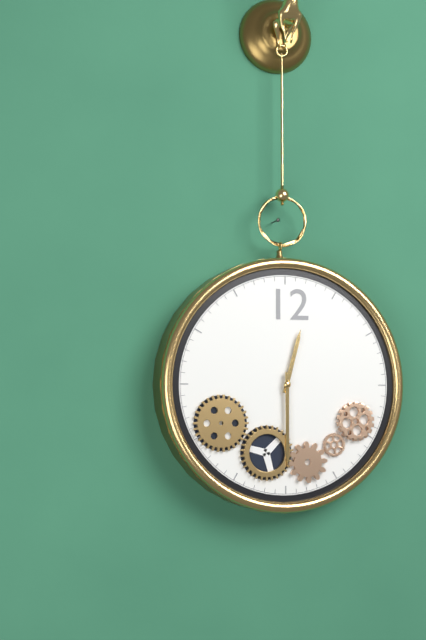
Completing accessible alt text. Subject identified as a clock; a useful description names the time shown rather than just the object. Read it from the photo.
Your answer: 12:30
